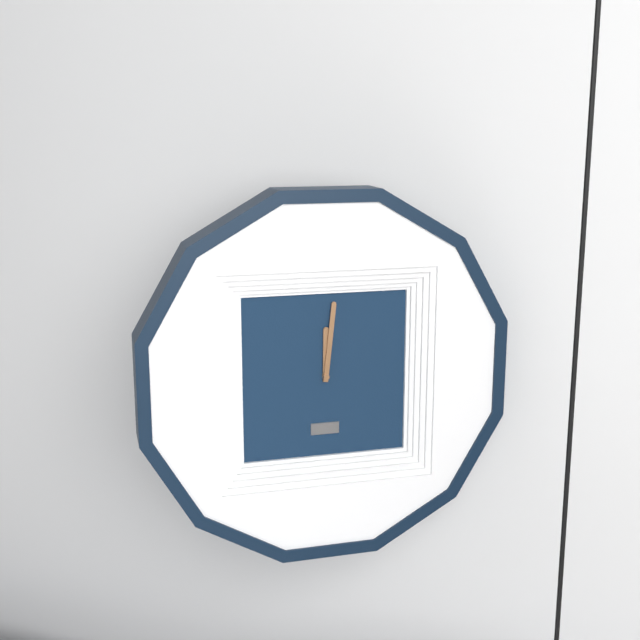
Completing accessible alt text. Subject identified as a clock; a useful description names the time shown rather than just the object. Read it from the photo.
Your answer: 12:01
